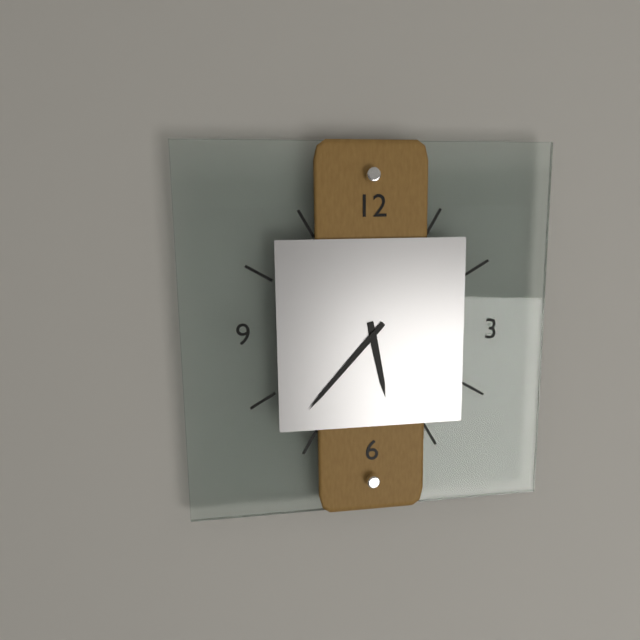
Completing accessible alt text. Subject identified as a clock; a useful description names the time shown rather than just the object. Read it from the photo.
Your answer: 5:37
